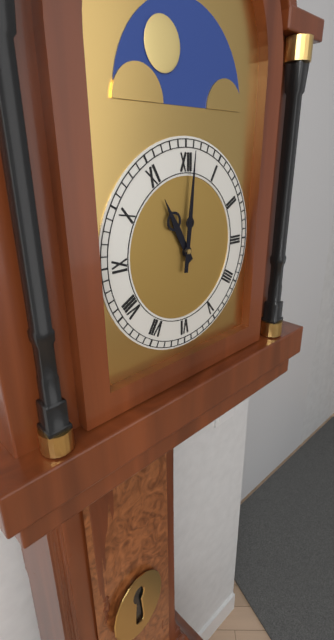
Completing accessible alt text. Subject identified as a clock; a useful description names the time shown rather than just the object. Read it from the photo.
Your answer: 11:01
